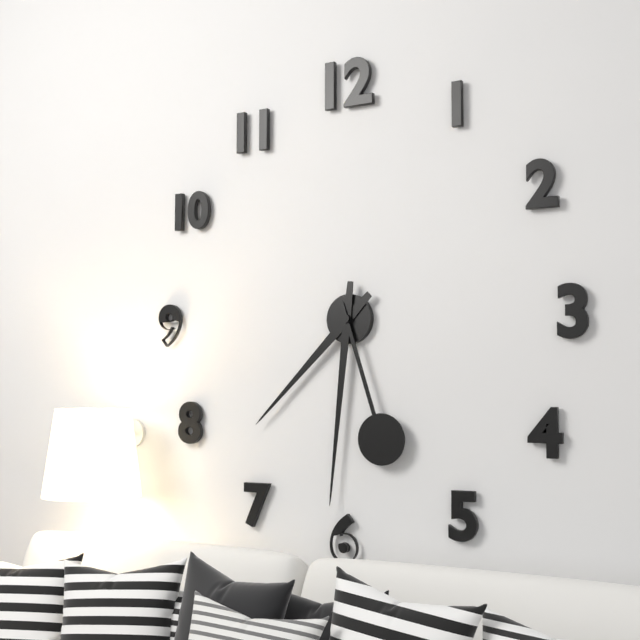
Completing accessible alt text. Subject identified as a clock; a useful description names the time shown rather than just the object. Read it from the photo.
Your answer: 7:31:27
